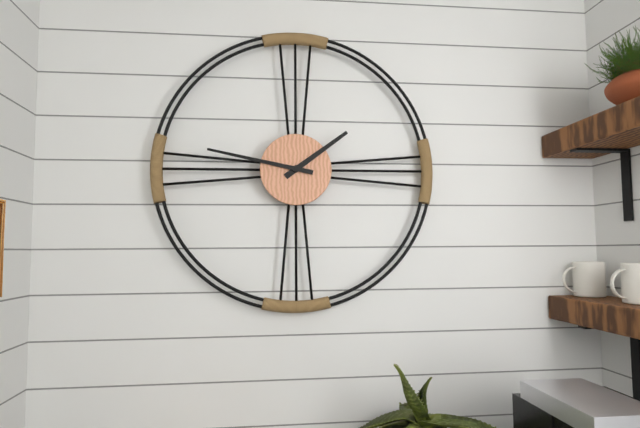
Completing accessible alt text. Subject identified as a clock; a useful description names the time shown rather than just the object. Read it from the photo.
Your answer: 1:47
